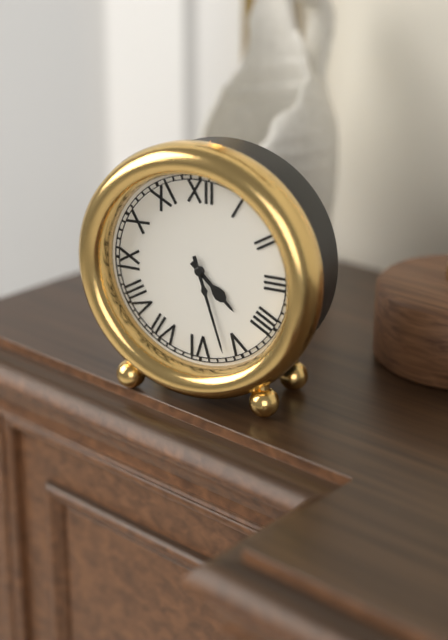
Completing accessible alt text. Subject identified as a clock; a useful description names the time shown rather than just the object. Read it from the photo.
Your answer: 4:27
